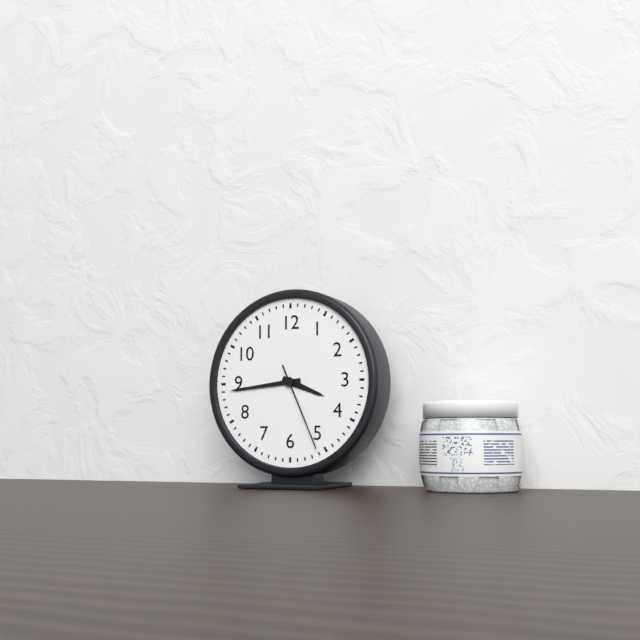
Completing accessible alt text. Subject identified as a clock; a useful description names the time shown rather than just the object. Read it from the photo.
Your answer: 3:44:26
